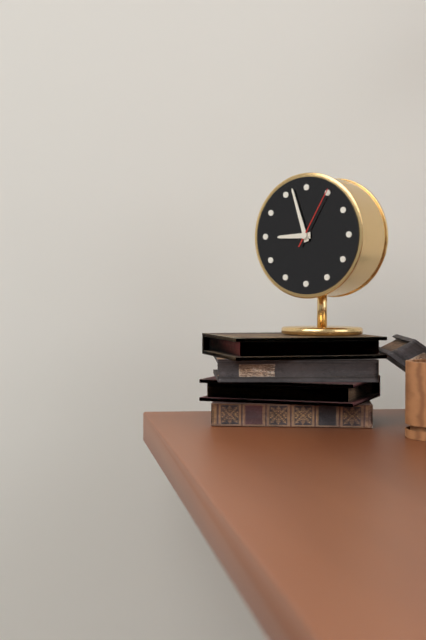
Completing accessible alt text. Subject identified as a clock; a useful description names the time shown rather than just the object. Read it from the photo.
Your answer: 8:57:05
